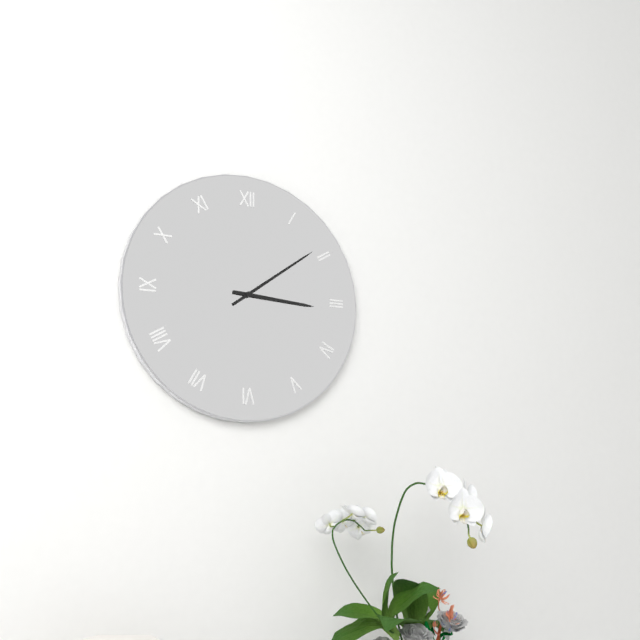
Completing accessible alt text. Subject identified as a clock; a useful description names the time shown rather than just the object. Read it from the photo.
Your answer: 3:09
